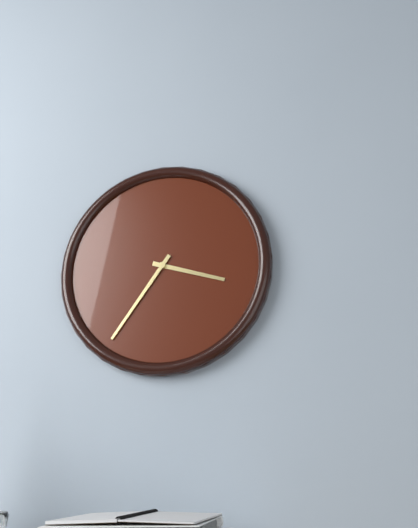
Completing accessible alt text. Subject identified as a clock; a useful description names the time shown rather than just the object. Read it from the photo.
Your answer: 3:36
